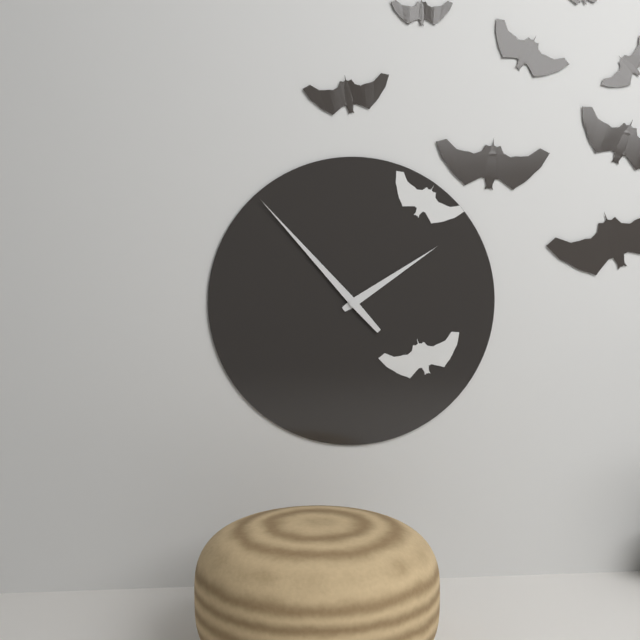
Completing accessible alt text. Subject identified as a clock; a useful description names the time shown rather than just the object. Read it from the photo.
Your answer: 1:53
